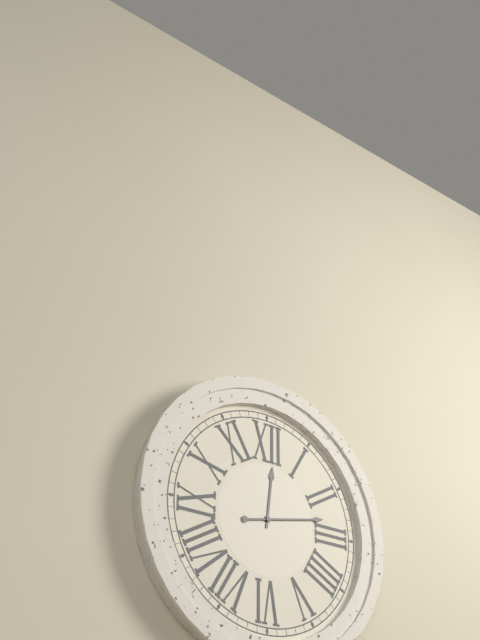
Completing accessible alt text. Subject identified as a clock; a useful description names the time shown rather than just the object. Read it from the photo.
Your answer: 12:13
